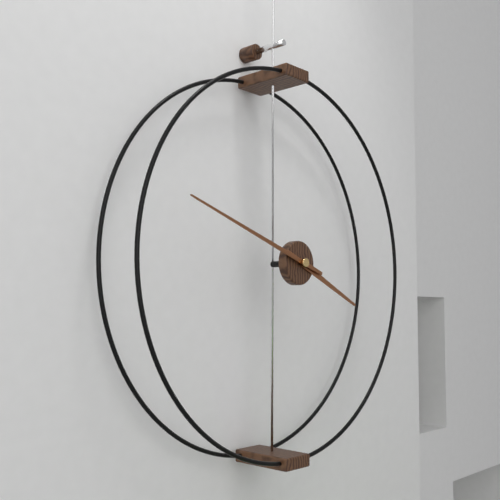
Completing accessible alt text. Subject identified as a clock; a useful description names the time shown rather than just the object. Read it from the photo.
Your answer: 3:48
